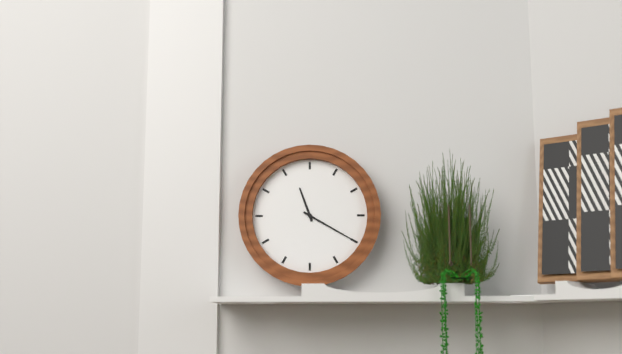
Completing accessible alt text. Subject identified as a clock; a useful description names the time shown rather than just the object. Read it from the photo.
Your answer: 11:20
